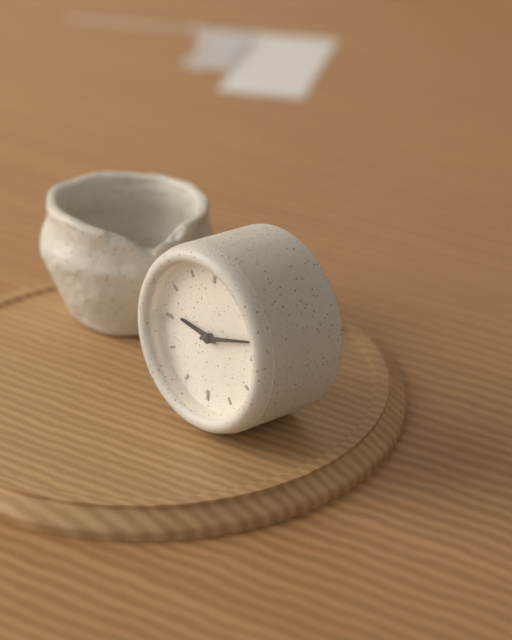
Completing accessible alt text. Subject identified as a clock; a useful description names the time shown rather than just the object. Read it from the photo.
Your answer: 9:12
